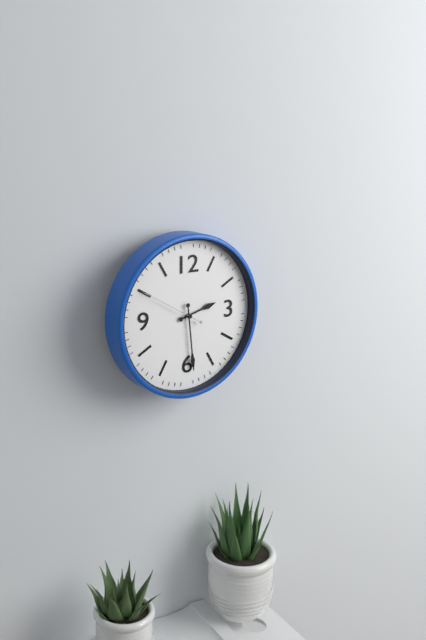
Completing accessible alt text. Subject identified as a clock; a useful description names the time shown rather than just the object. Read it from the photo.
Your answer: 2:29:50
